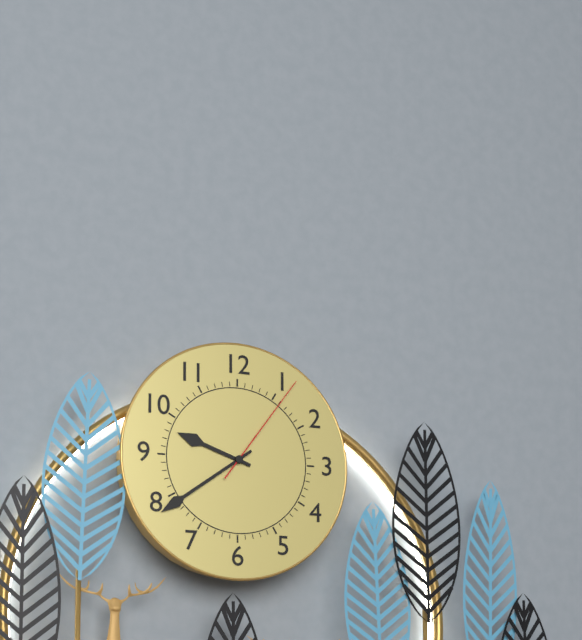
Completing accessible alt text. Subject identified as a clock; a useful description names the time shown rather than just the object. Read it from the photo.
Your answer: 9:39:06
